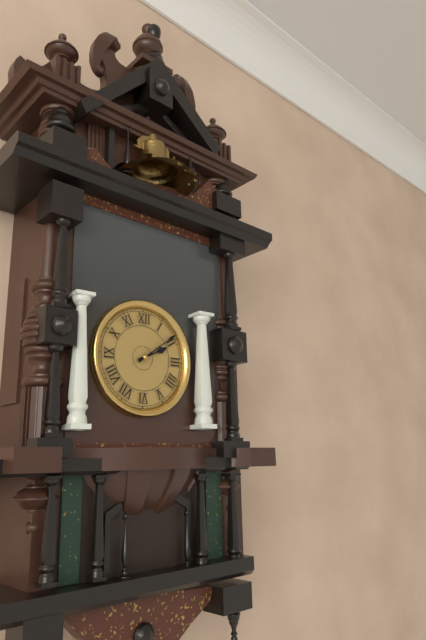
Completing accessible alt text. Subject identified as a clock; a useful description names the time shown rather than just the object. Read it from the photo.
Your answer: 2:09
